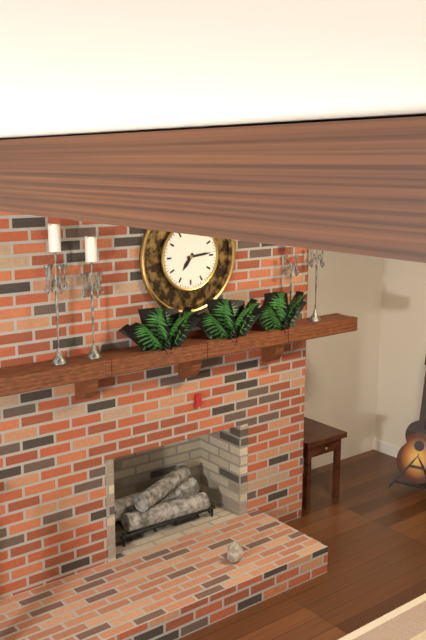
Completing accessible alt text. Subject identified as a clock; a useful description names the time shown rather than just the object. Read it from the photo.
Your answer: 7:14
